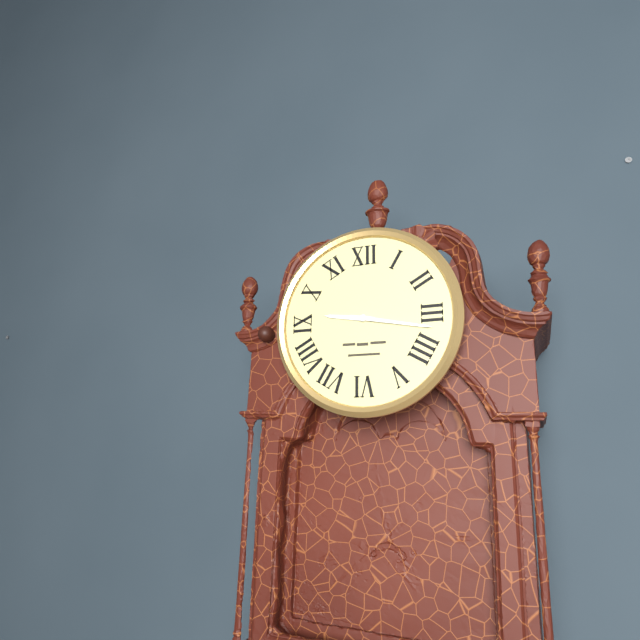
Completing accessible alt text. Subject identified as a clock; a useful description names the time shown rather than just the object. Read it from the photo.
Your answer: 9:17
